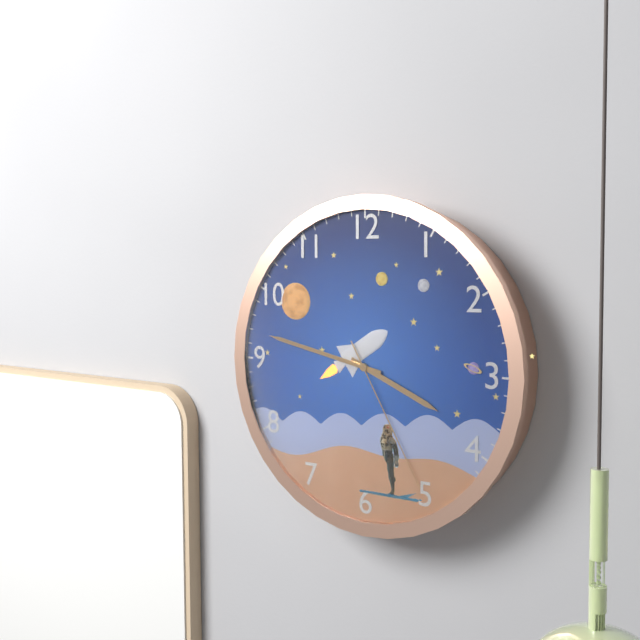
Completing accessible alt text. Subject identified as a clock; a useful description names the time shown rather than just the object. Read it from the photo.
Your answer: 3:47:25
